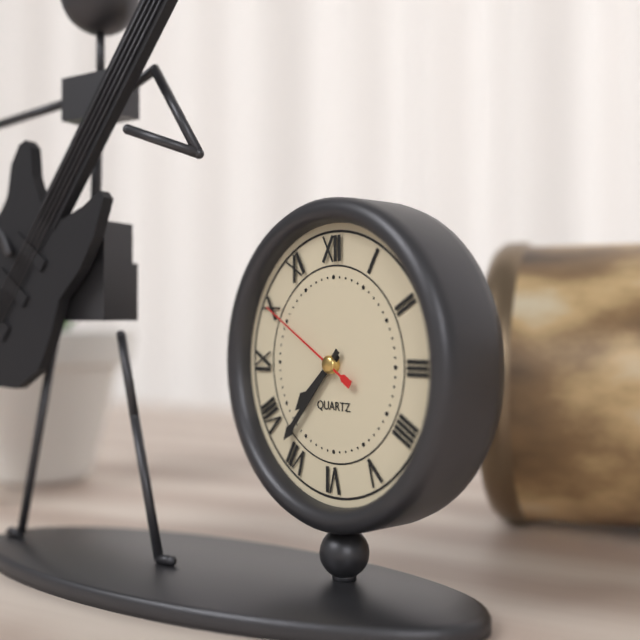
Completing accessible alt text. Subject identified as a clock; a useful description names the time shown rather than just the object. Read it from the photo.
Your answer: 7:37:50
